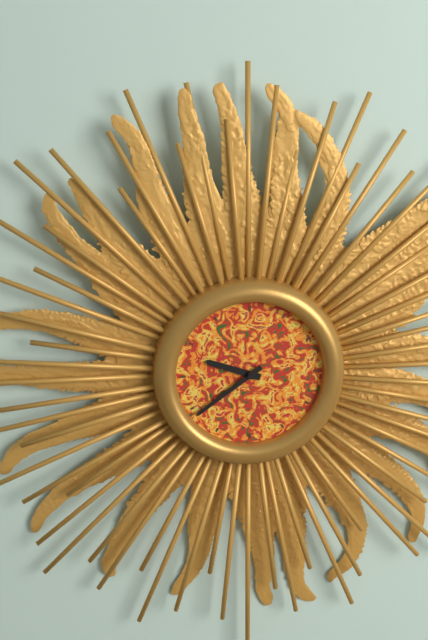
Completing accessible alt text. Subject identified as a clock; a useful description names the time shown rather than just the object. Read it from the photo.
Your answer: 9:39
